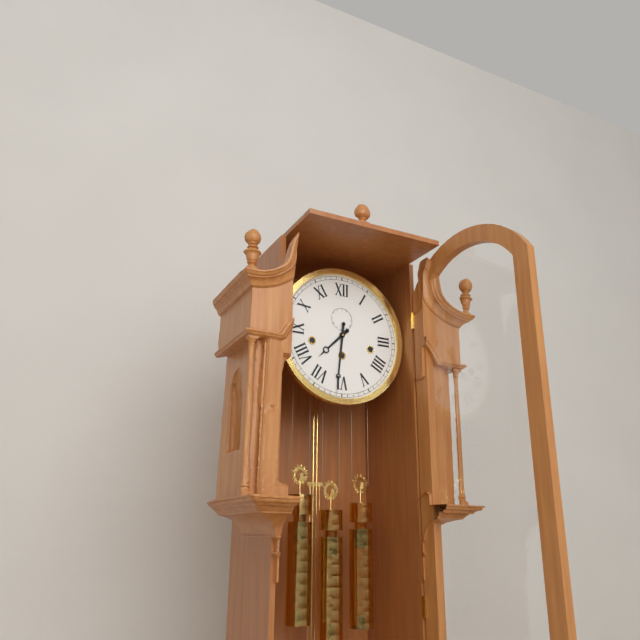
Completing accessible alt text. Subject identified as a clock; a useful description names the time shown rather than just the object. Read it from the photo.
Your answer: 7:31
